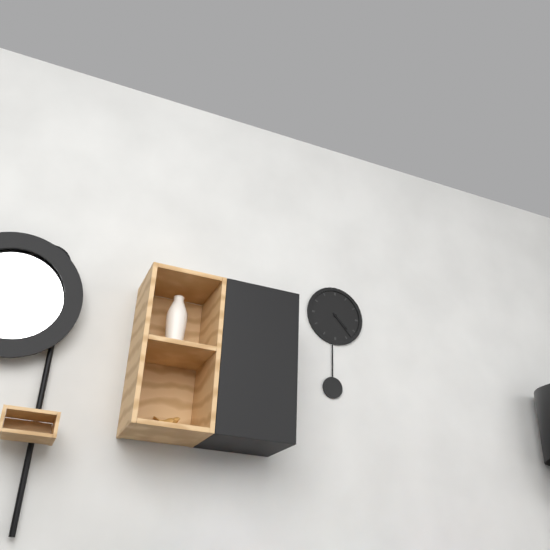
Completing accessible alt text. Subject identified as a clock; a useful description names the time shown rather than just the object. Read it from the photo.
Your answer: 4:23
